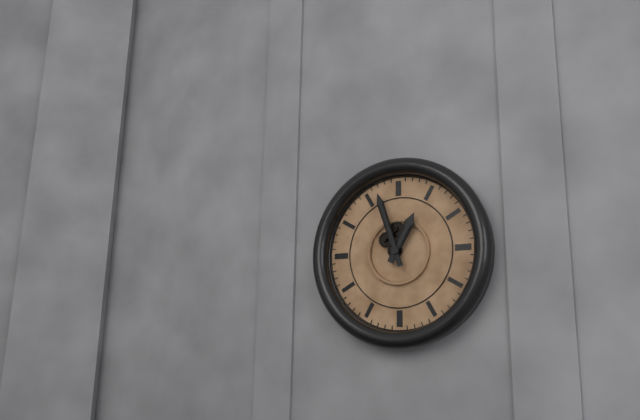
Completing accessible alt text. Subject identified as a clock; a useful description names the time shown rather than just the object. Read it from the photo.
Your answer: 12:57
